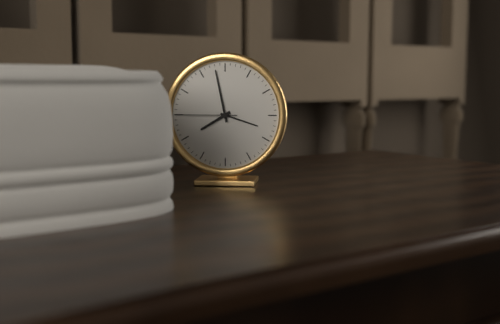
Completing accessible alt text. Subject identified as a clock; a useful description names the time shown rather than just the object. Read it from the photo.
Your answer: 7:58:45
